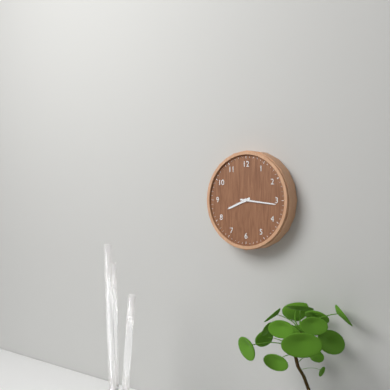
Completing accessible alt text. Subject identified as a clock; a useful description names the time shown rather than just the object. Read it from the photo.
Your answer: 8:16
